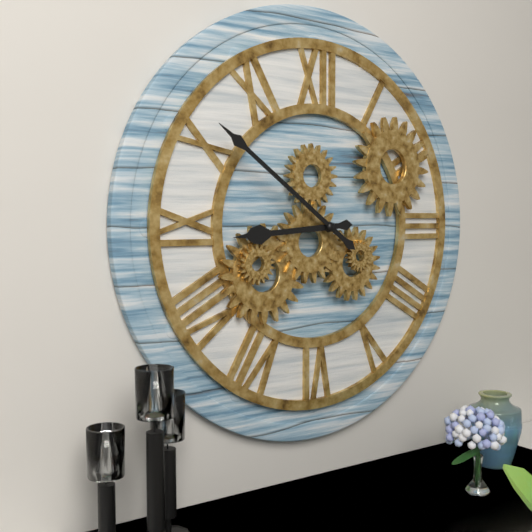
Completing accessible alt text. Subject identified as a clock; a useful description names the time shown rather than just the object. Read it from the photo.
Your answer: 8:51
